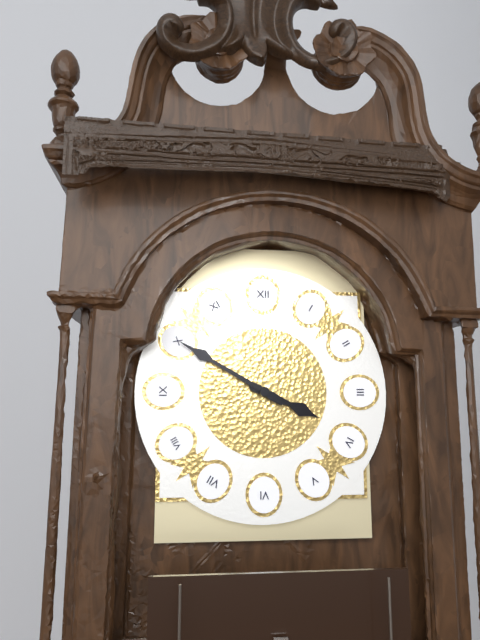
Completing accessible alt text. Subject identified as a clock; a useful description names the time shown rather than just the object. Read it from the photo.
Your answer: 3:50
